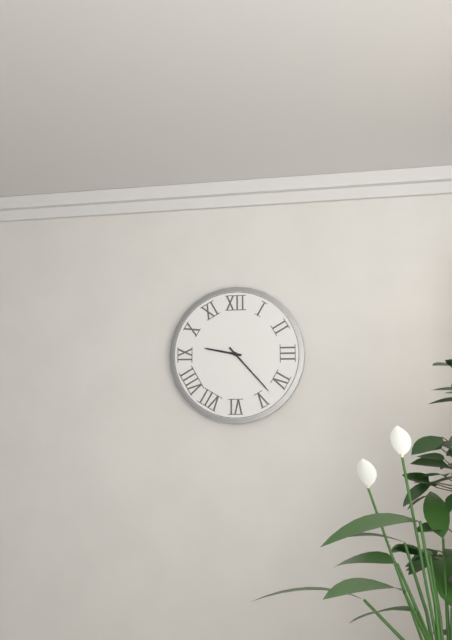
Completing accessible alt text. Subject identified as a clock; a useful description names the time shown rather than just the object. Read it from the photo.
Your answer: 9:23
